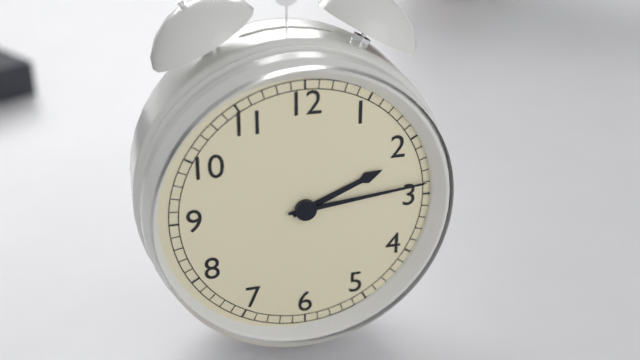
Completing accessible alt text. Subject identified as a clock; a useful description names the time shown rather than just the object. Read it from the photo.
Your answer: 2:14
